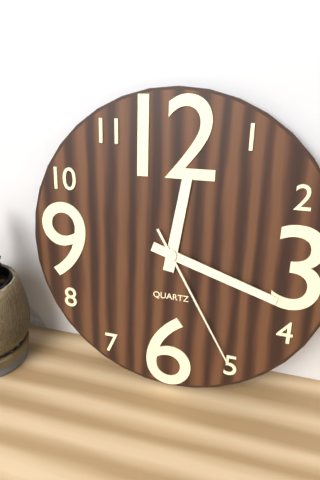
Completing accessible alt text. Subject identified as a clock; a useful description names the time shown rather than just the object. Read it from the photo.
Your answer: 12:18:25
